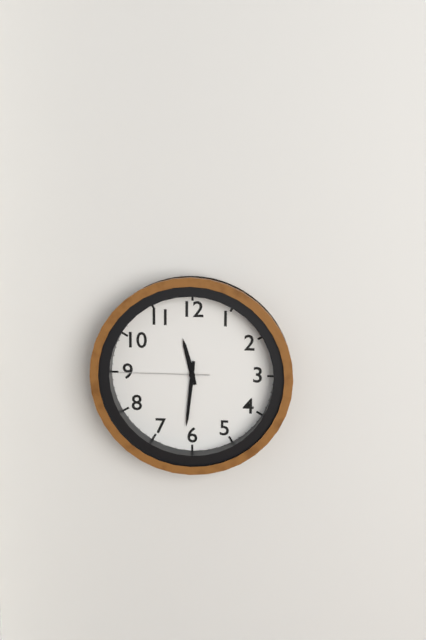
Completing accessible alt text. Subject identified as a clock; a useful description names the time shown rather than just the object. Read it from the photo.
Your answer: 11:31:45
